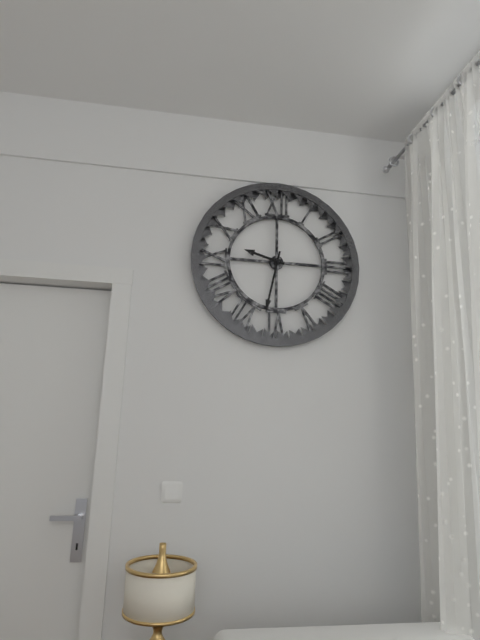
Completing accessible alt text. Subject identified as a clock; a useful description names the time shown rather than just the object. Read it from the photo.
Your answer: 9:32
